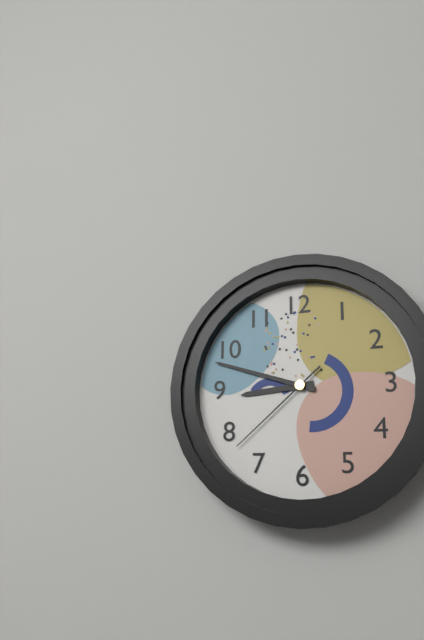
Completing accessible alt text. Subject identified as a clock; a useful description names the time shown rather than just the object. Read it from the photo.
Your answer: 8:48:38
